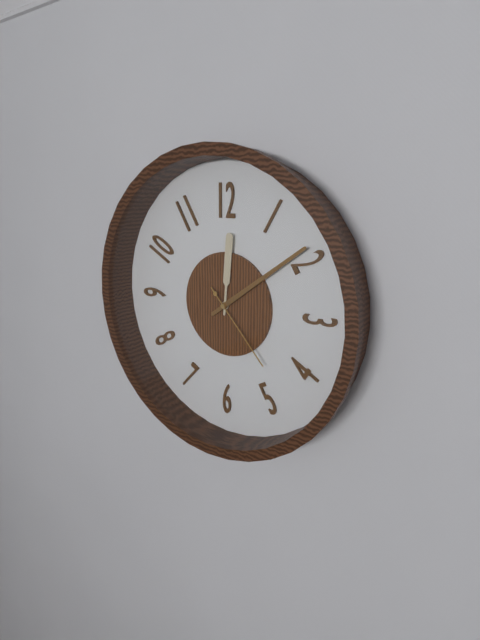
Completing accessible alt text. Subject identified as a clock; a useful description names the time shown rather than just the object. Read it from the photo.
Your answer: 12:09:23
